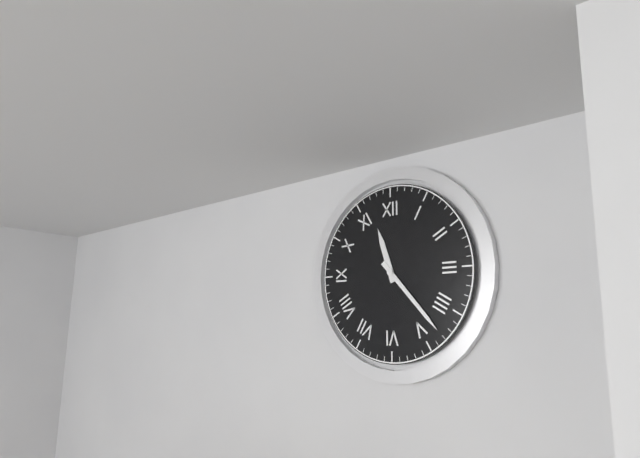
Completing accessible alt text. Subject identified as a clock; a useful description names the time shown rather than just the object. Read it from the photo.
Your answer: 11:23
